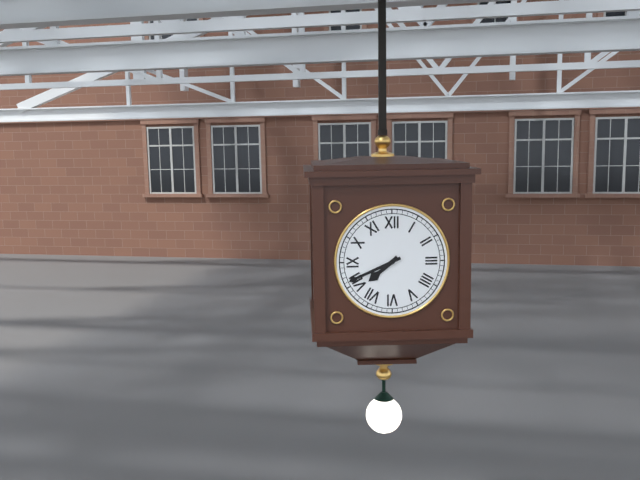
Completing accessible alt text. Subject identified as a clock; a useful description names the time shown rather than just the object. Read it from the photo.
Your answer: 7:41
